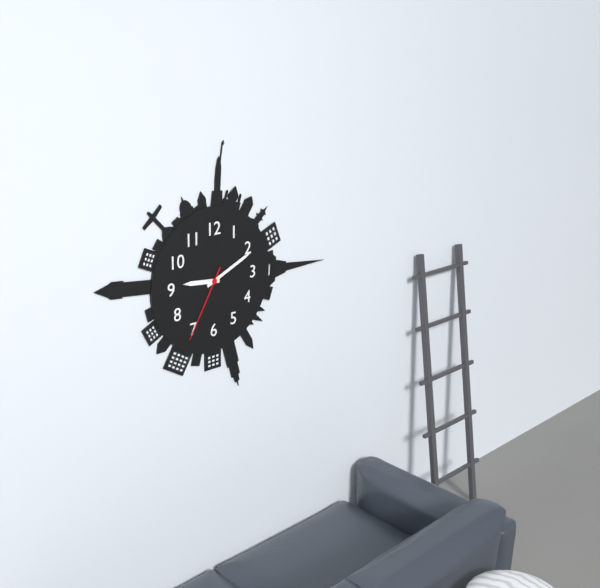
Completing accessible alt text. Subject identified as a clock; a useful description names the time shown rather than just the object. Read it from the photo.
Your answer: 9:11:35
